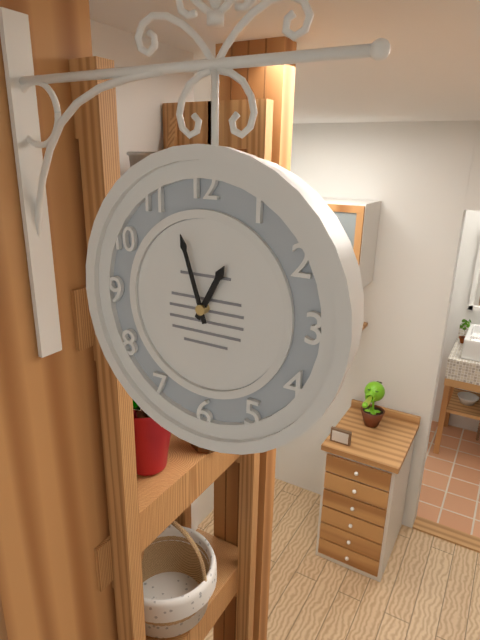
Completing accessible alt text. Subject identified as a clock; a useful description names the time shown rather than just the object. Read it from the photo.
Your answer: 12:57
